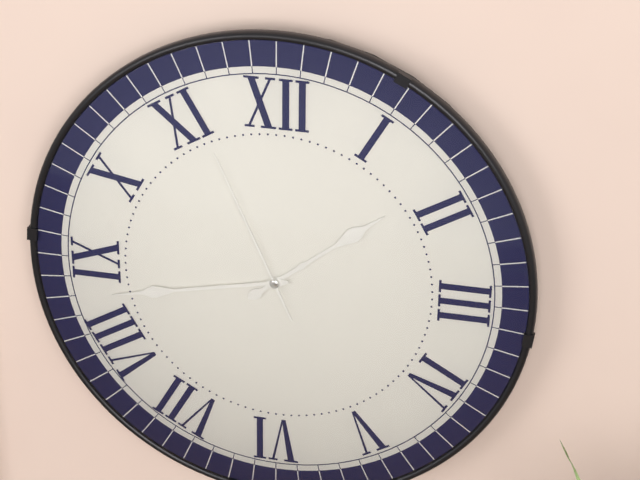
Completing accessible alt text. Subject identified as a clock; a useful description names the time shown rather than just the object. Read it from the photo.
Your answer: 1:43:56
